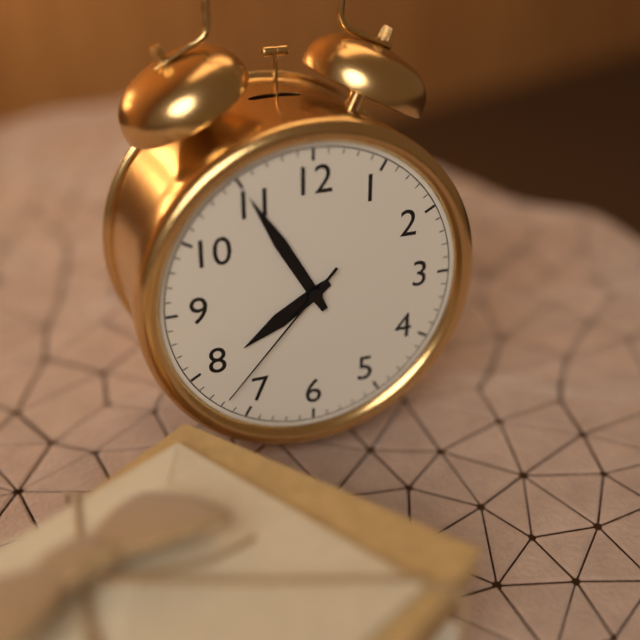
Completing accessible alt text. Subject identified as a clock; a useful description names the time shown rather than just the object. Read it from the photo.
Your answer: 7:55:37
